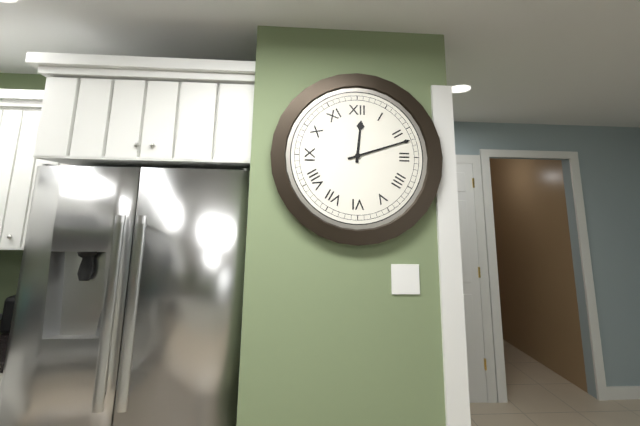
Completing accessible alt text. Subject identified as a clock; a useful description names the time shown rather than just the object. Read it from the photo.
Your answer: 12:12
